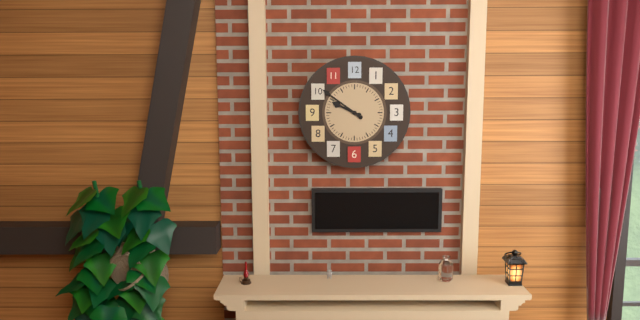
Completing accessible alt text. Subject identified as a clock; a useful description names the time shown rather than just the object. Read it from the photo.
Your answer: 9:51
